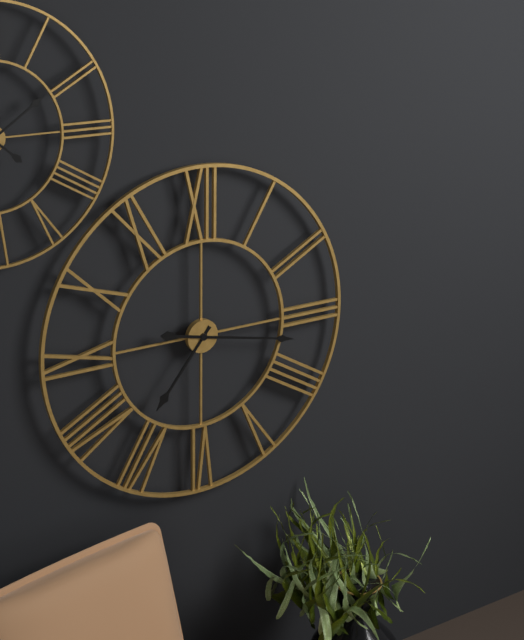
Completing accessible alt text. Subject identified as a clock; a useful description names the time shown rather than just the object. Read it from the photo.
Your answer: 7:17
